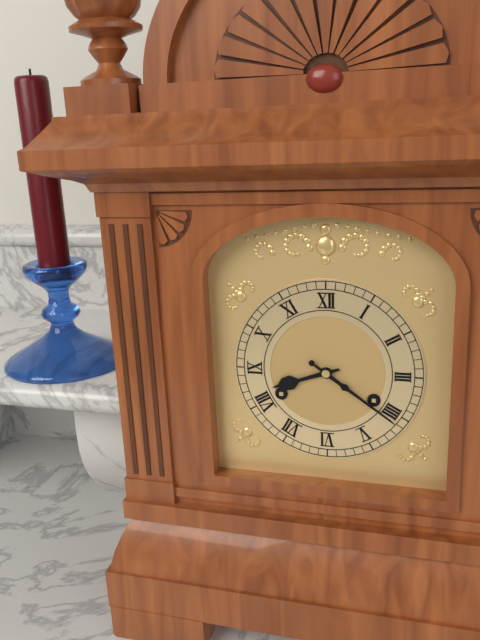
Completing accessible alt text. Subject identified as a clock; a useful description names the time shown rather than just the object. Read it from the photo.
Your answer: 8:21
